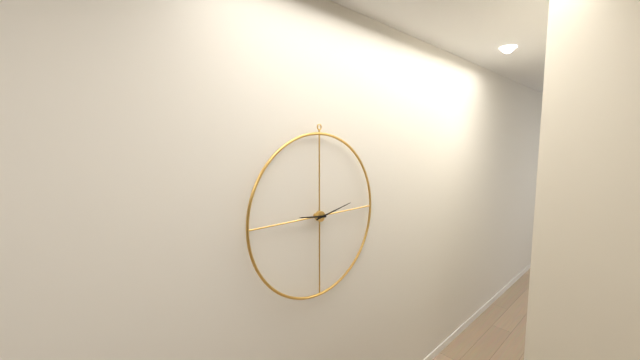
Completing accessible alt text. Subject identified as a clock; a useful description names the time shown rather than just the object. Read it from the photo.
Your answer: 9:13
